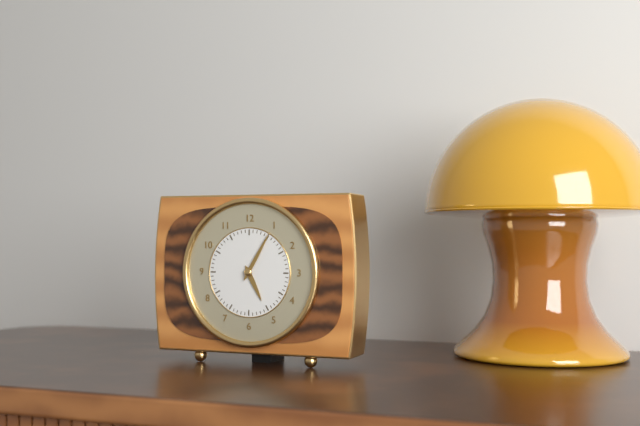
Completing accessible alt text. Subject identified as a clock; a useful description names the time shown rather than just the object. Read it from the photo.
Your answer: 5:05
